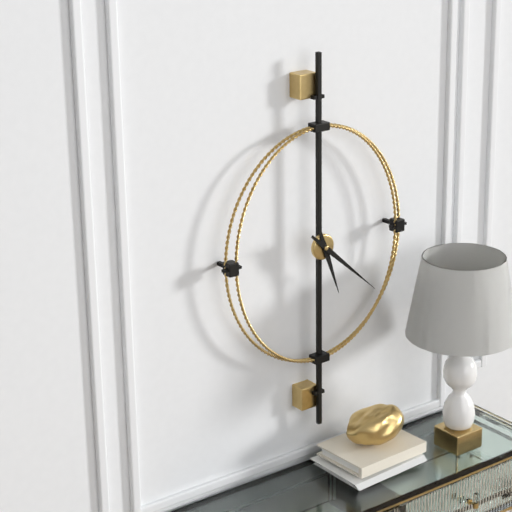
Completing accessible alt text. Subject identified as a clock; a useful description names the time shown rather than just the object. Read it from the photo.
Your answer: 5:22
